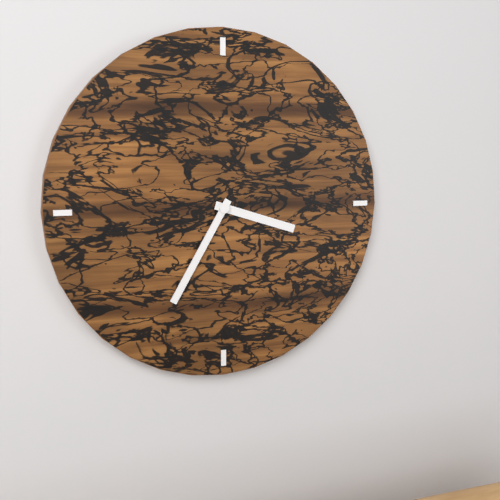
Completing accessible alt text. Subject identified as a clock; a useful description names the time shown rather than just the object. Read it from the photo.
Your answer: 3:35
